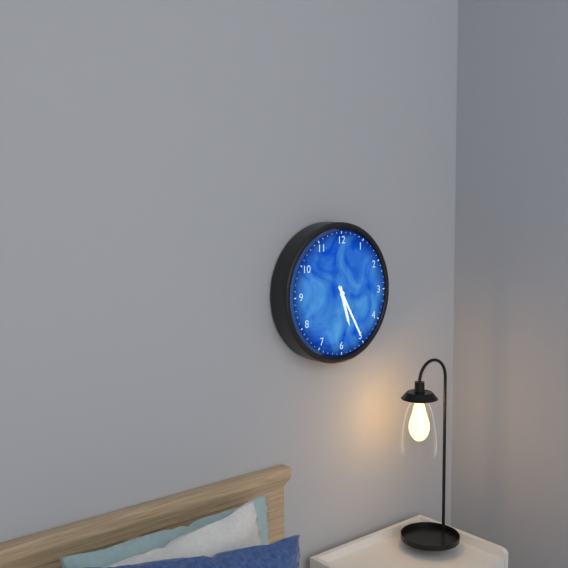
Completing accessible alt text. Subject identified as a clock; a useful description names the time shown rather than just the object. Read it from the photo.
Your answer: 5:25
